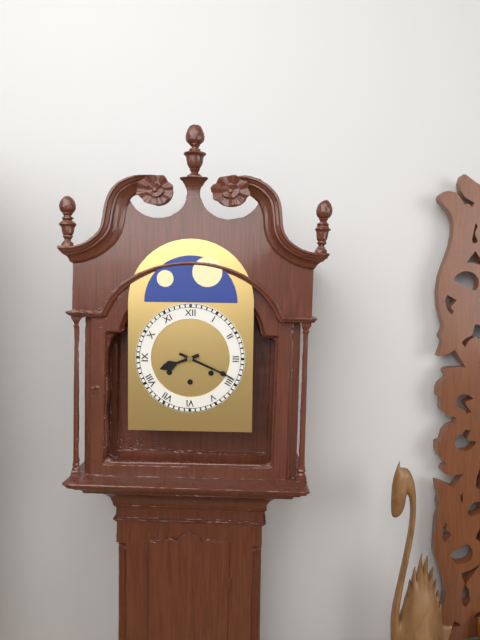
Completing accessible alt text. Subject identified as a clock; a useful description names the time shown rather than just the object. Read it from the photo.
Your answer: 8:19
